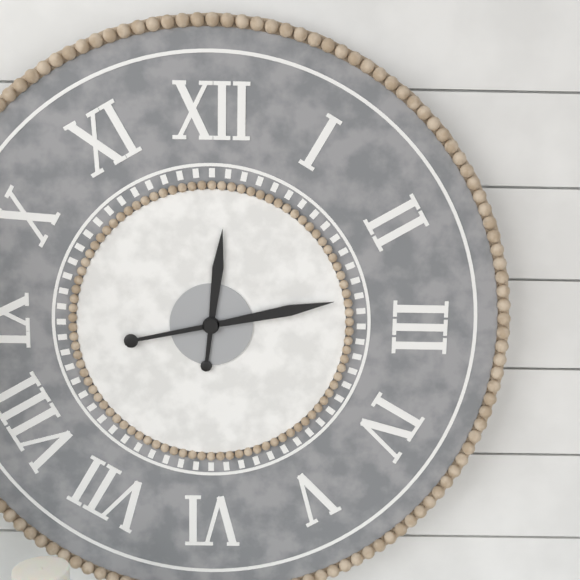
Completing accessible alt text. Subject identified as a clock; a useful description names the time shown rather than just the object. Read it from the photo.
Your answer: 12:13
